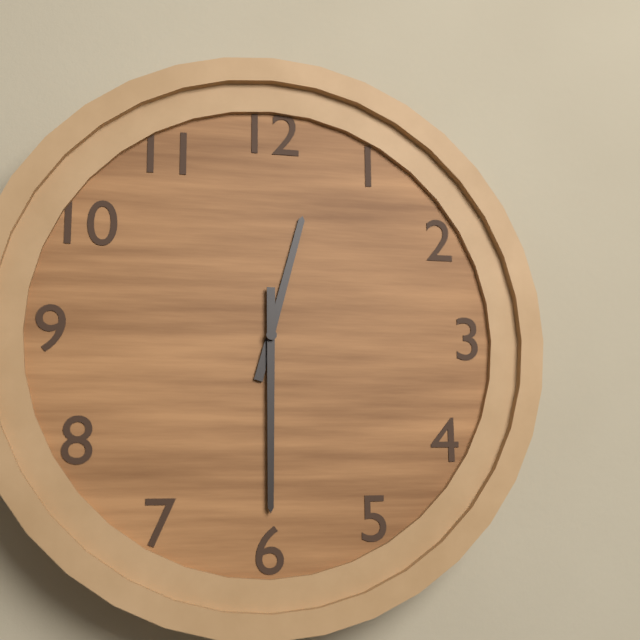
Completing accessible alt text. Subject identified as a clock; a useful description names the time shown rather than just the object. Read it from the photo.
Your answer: 12:30
